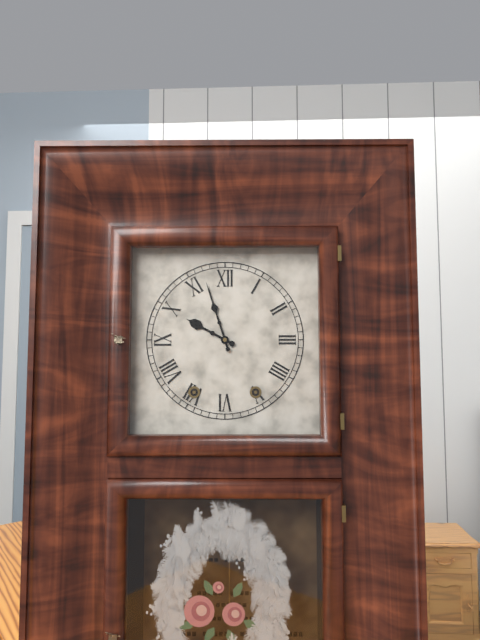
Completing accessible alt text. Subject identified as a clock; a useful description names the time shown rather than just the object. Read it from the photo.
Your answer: 9:57
